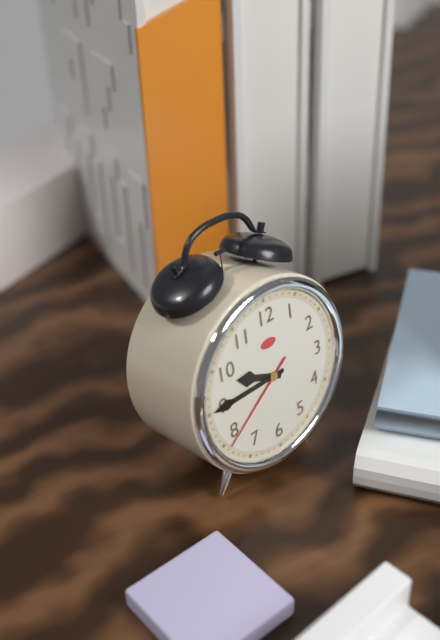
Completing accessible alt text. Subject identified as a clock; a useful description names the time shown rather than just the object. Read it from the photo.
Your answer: 9:45:39
